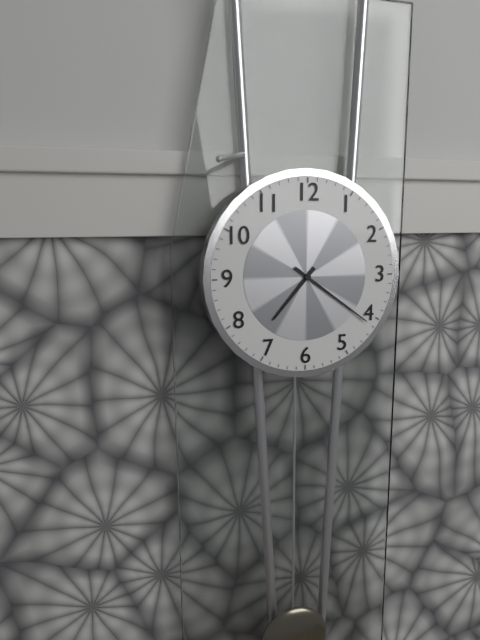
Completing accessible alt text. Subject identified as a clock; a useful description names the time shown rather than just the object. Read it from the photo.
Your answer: 7:21
